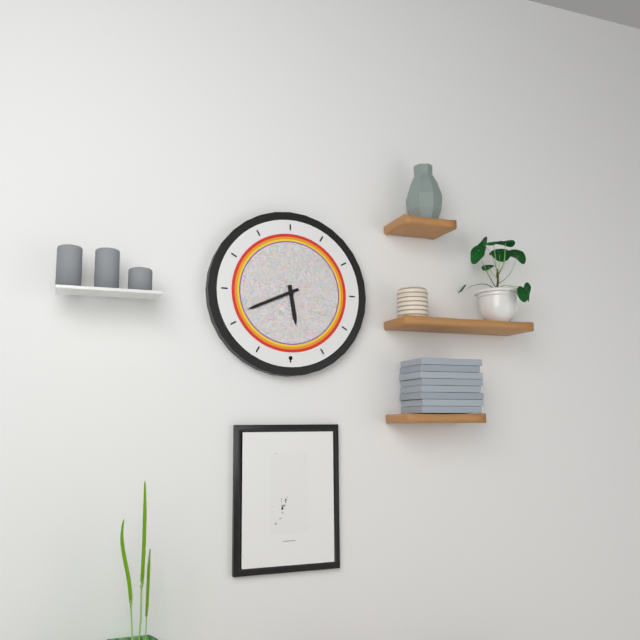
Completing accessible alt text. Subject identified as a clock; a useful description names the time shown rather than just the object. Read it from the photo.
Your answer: 5:41
